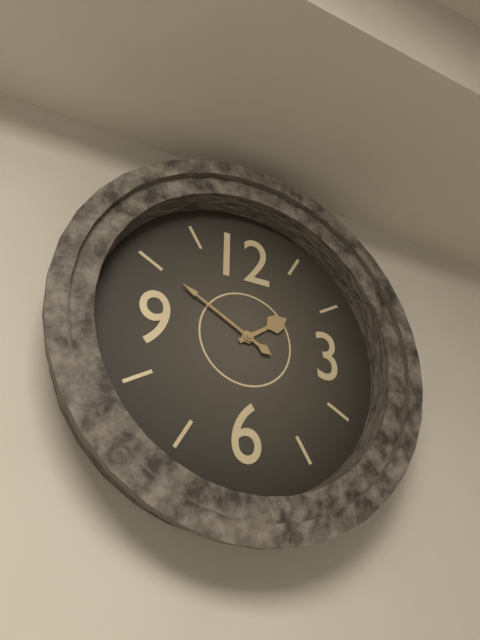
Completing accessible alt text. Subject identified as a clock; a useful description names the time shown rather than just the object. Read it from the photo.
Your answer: 1:50
